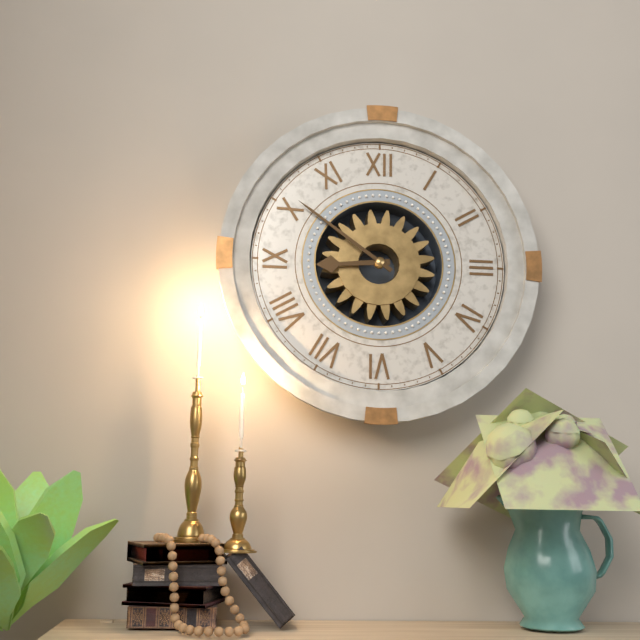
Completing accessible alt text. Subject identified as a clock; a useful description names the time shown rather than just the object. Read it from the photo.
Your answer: 8:51
